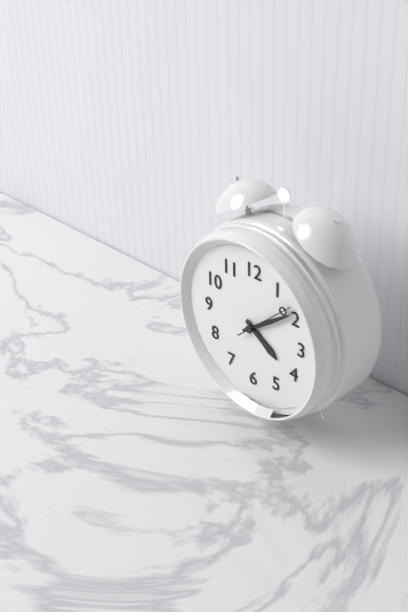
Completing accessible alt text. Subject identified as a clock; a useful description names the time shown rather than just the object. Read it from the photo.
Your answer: 4:09:08
